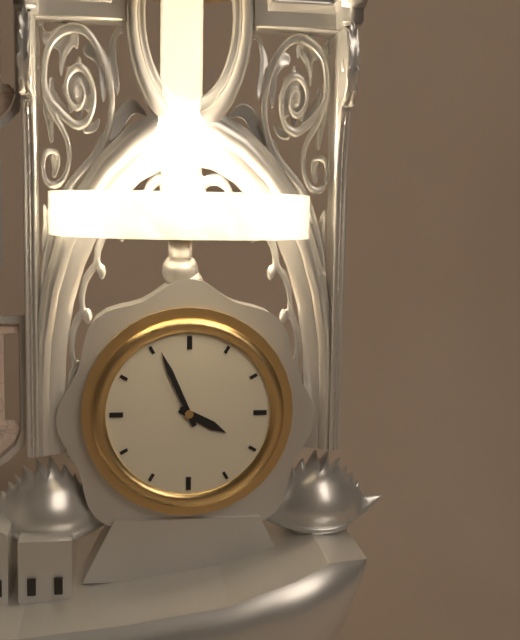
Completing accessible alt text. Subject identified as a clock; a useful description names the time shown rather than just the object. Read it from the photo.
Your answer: 3:56
